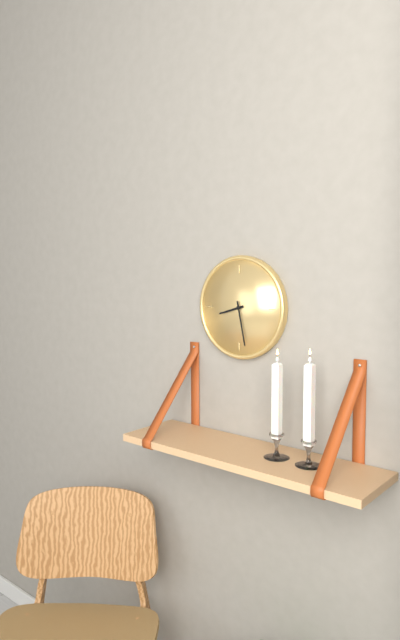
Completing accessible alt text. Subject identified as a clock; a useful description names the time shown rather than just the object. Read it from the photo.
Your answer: 8:28
